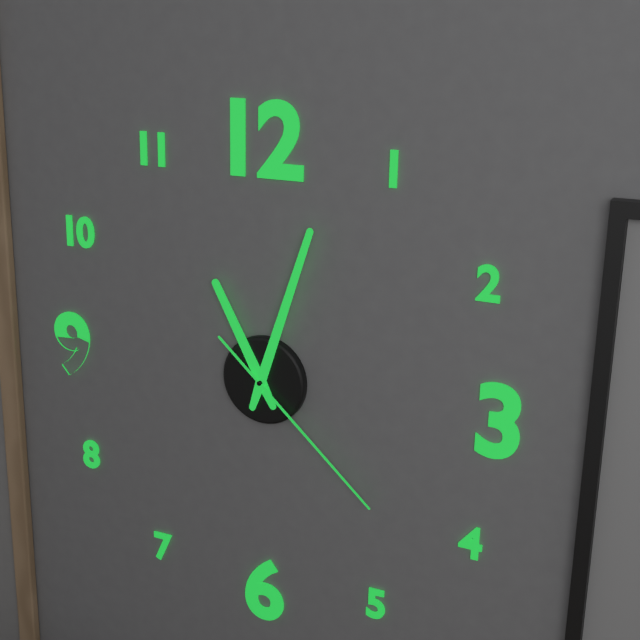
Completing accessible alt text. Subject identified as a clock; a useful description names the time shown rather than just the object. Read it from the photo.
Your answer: 11:03:22
